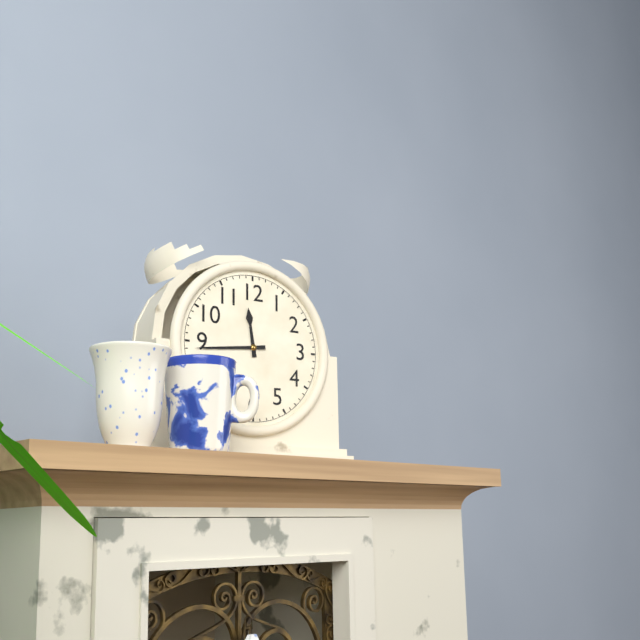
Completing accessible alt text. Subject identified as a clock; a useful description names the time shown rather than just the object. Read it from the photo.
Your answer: 11:44
